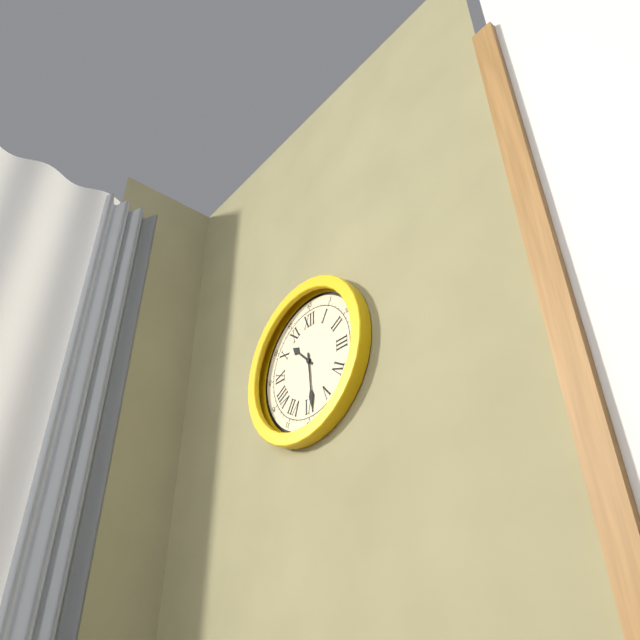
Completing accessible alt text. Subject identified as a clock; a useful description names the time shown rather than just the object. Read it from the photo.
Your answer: 10:29
